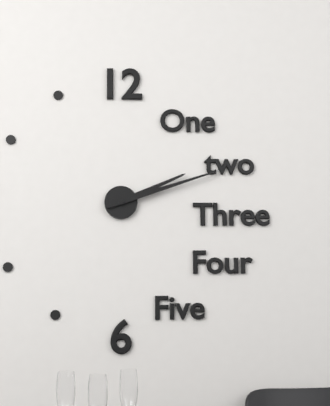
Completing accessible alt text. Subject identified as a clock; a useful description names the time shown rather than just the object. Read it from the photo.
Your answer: 2:12
